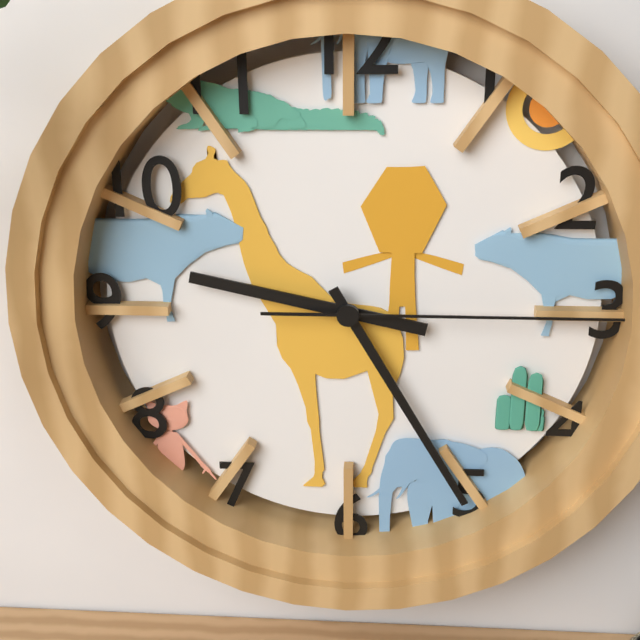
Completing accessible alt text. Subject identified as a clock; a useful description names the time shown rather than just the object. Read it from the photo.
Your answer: 9:25:15
